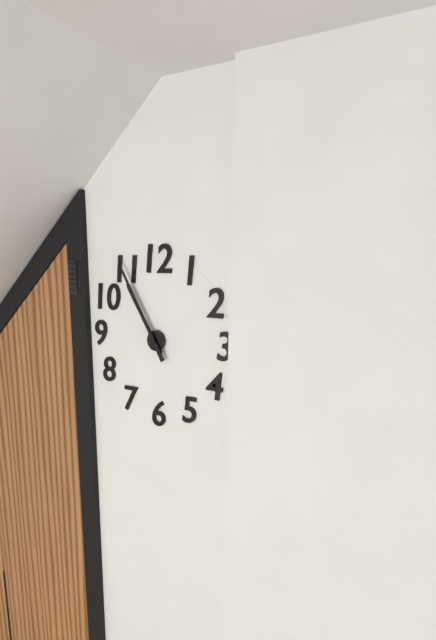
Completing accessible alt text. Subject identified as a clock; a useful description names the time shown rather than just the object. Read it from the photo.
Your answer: 10:55
